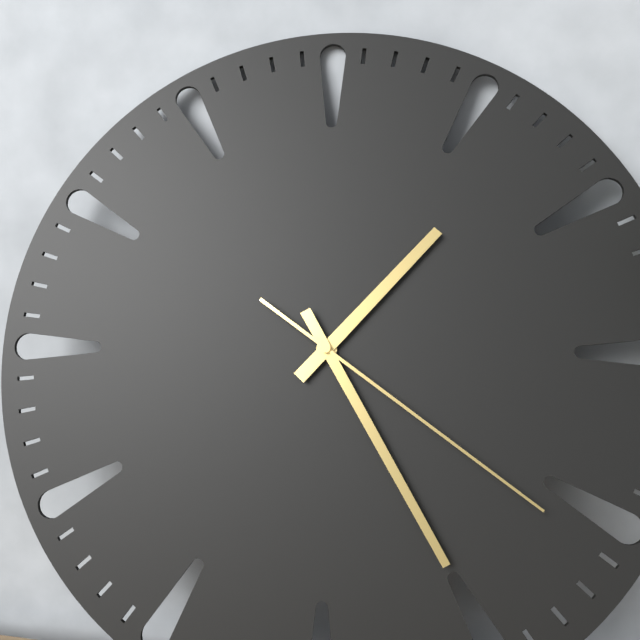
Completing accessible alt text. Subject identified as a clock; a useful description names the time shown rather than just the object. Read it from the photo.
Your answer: 1:25:21
